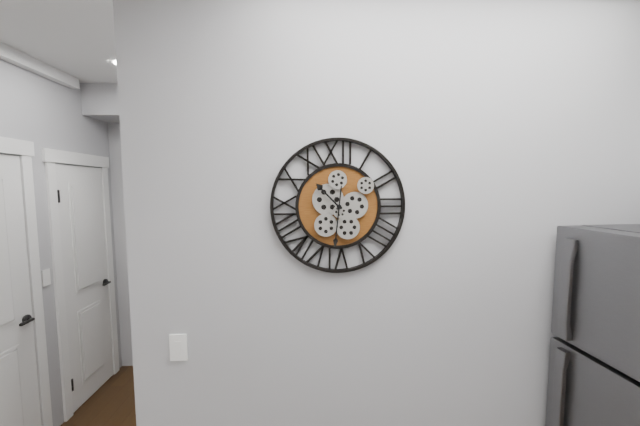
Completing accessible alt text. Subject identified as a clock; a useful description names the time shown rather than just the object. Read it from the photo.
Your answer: 10:31
